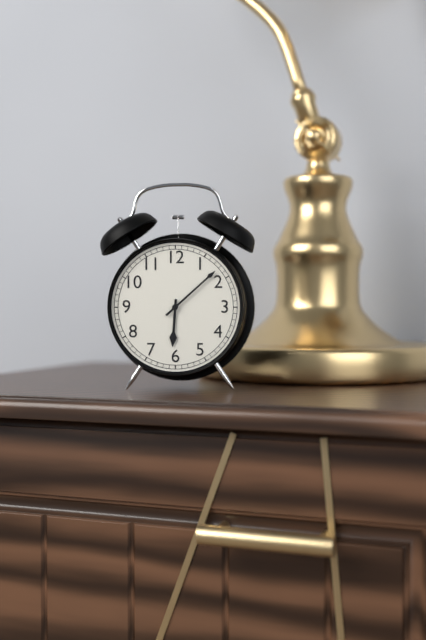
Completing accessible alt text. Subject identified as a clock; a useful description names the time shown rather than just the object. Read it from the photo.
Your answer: 6:08
